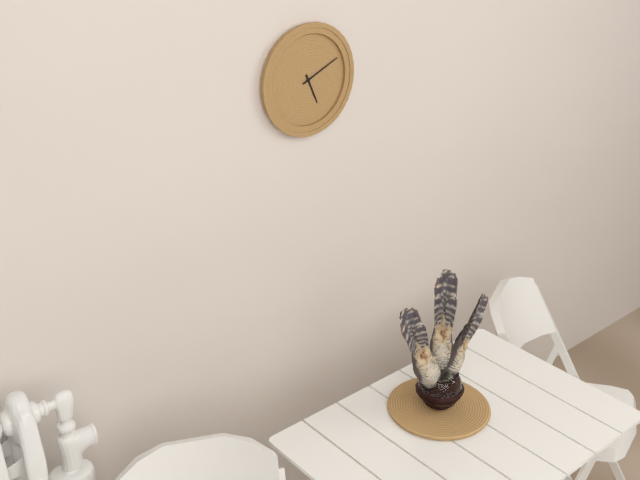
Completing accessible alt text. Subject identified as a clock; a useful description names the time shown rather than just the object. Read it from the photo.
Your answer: 5:11
